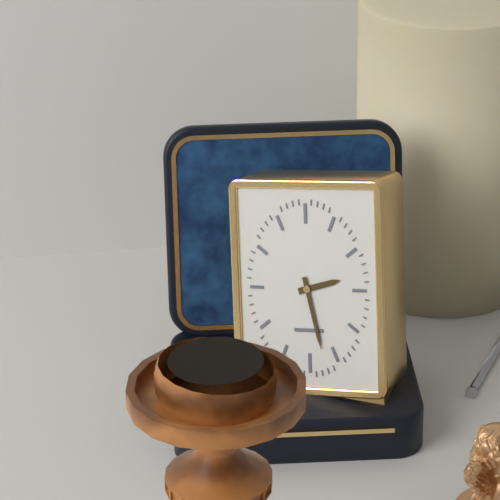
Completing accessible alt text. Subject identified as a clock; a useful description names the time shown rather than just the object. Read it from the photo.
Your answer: 2:28
